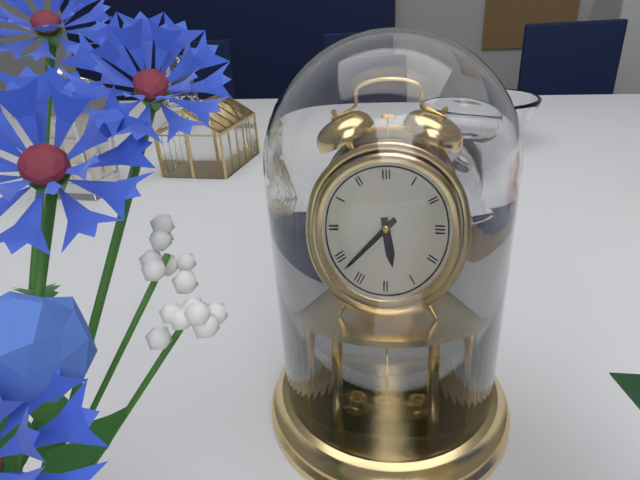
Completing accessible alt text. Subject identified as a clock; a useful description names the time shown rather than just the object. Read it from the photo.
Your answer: 5:38
